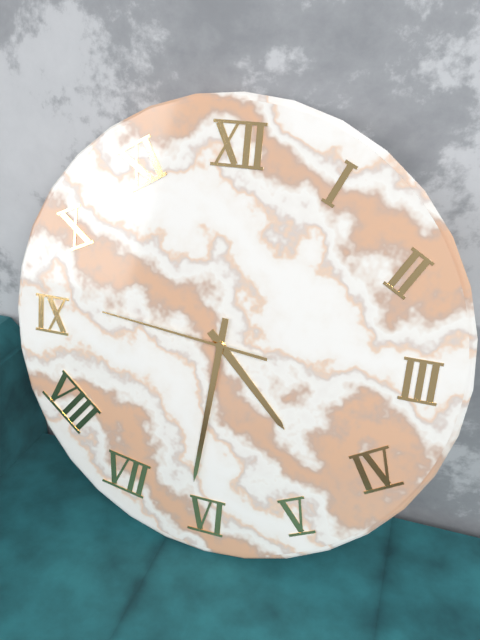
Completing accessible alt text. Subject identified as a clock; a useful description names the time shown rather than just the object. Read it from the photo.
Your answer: 4:31:46
